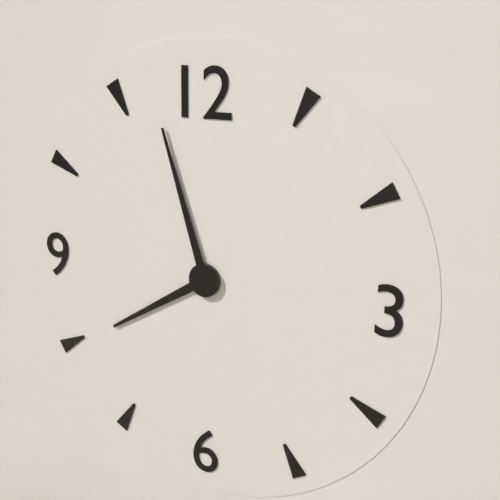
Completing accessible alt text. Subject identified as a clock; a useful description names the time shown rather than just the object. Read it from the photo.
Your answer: 7:57
